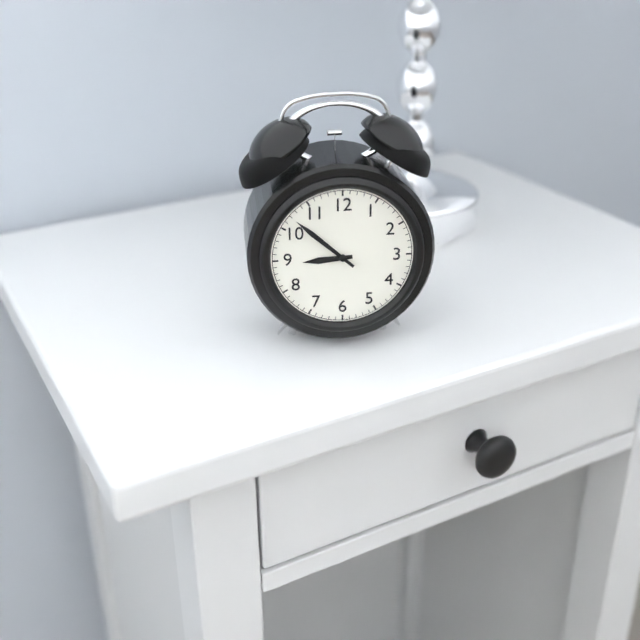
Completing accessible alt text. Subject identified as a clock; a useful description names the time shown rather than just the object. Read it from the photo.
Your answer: 8:52
